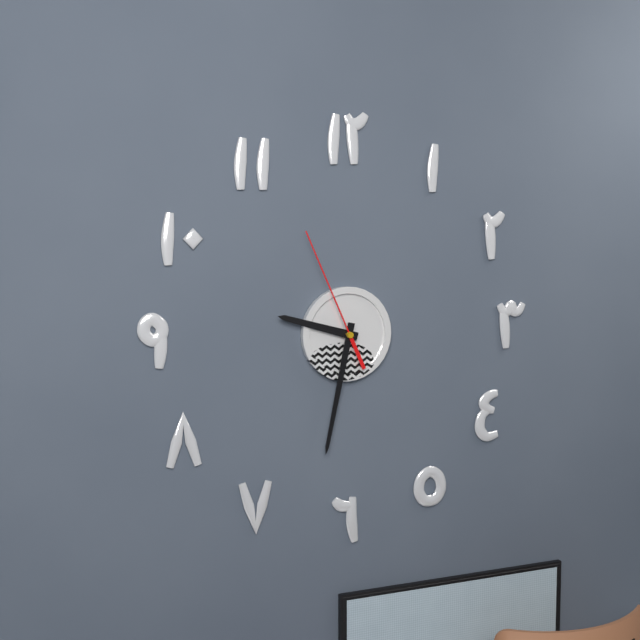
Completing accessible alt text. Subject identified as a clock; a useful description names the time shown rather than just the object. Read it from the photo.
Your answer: 9:32:56
